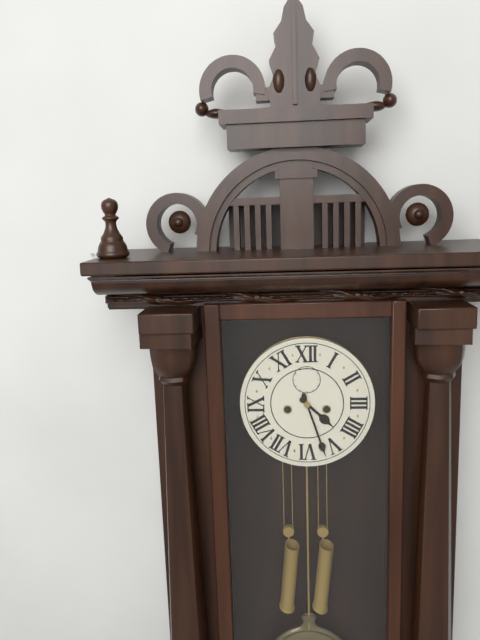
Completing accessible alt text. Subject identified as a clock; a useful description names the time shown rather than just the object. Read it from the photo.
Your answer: 4:27
